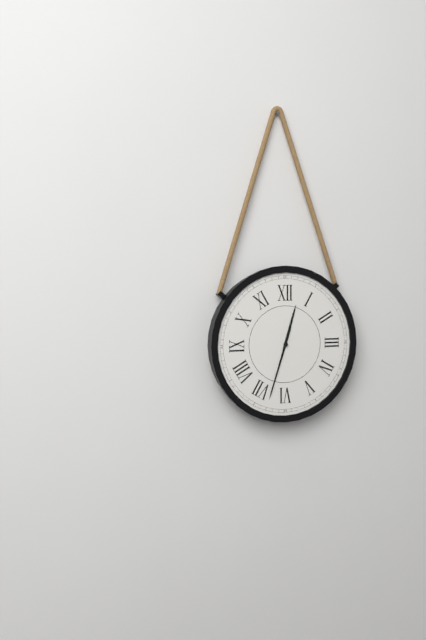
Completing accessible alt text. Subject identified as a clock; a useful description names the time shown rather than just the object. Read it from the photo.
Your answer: 12:33
